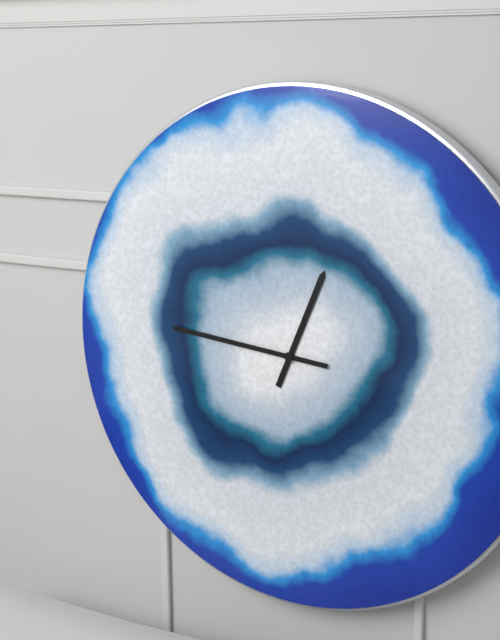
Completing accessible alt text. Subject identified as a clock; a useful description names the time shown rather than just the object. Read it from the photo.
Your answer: 12:46
